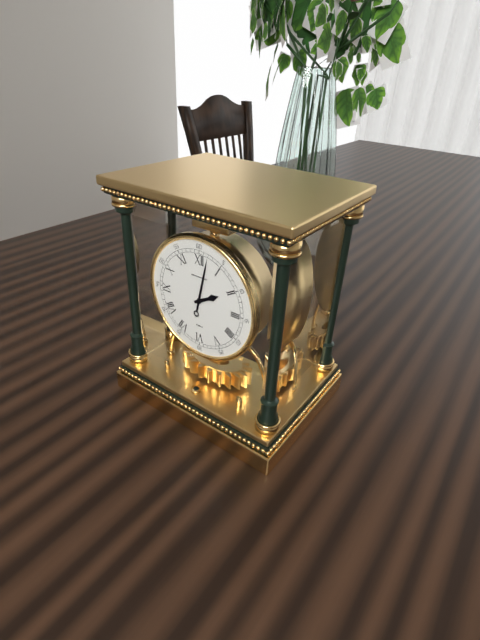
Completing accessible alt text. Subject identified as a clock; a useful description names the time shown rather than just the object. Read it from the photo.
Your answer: 2:02
